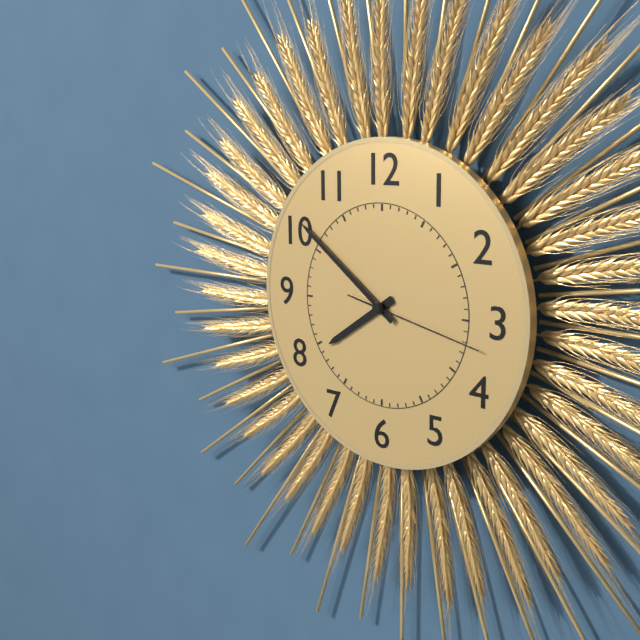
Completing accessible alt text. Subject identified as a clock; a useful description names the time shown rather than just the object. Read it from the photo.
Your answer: 7:51:17
